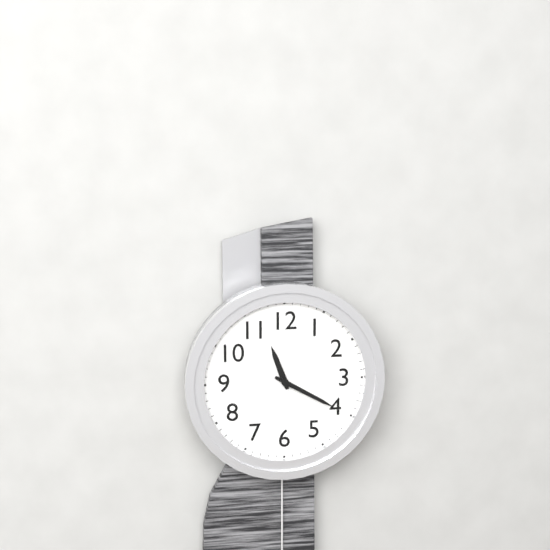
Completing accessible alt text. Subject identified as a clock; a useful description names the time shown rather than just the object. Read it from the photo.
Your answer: 11:20
